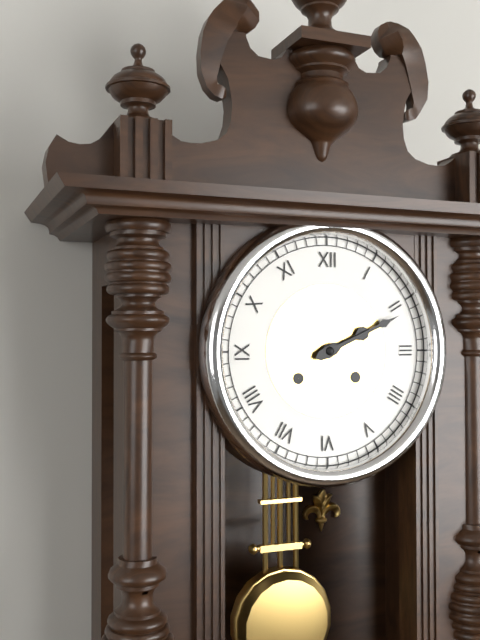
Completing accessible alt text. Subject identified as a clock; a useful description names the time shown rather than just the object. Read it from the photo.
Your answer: 2:11
